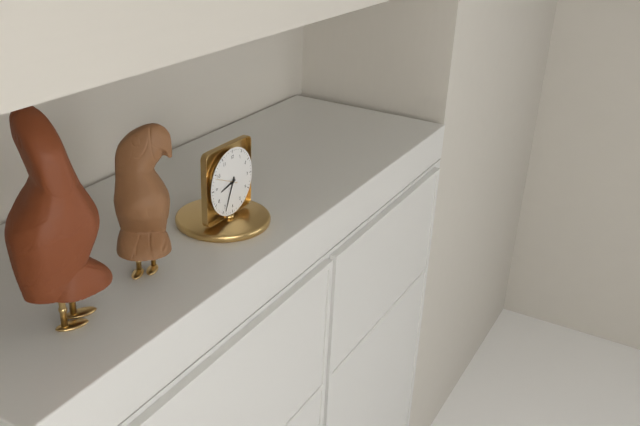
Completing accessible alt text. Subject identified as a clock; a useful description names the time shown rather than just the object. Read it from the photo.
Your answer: 8:34
